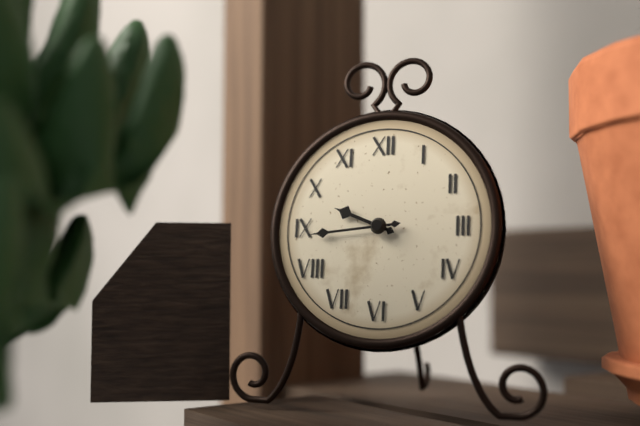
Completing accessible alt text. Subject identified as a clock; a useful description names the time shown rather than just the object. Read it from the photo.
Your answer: 9:44
